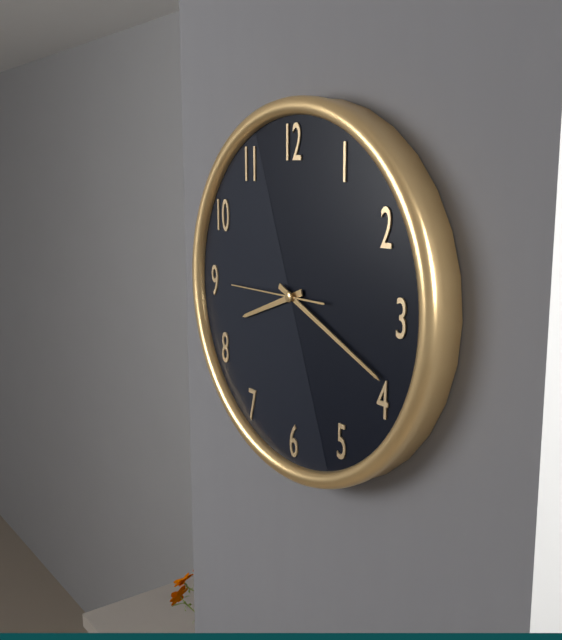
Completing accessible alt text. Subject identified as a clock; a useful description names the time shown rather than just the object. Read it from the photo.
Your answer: 8:19:45
